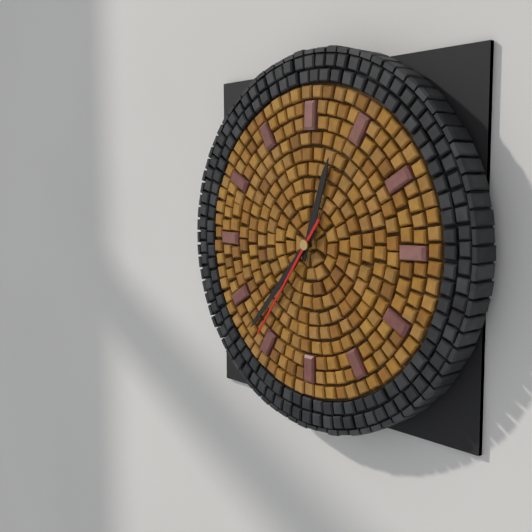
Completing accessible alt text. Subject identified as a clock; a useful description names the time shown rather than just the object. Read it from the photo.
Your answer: 12:37:36
